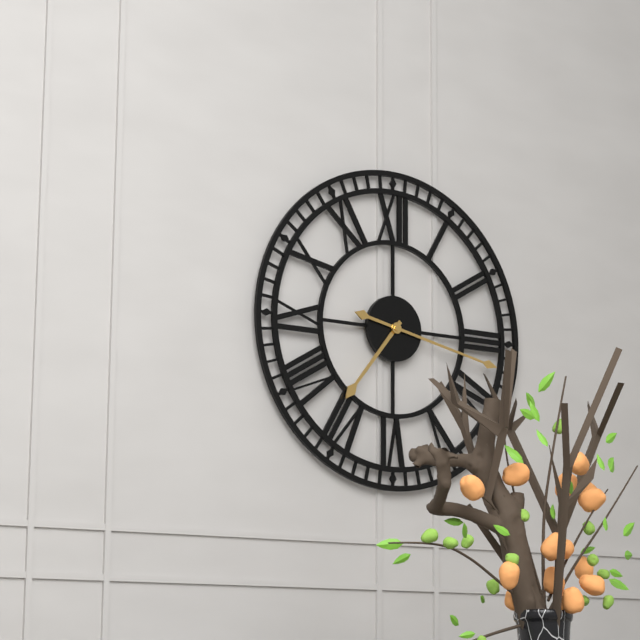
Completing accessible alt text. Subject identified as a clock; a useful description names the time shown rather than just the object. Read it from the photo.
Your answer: 7:17
